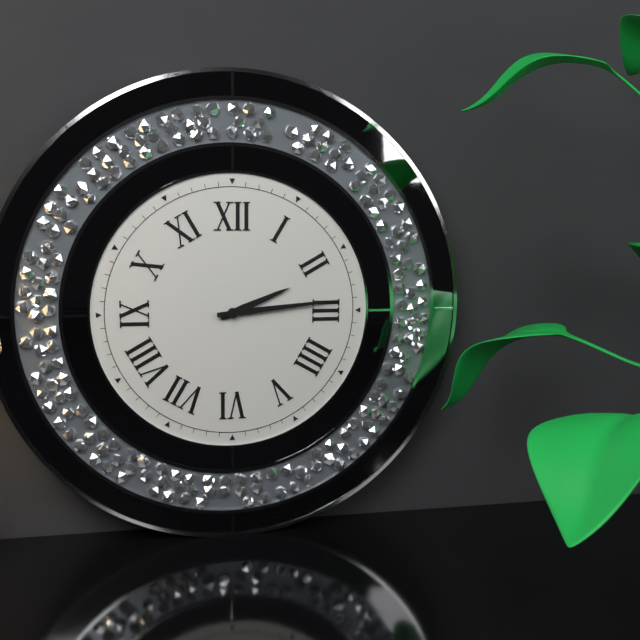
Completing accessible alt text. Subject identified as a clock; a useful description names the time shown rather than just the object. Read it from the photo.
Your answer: 2:14
